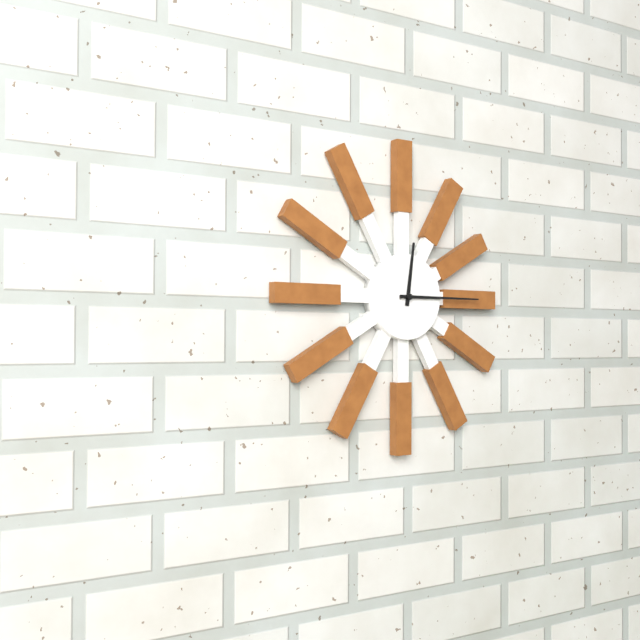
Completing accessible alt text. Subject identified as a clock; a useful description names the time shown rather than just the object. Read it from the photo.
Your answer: 12:15
